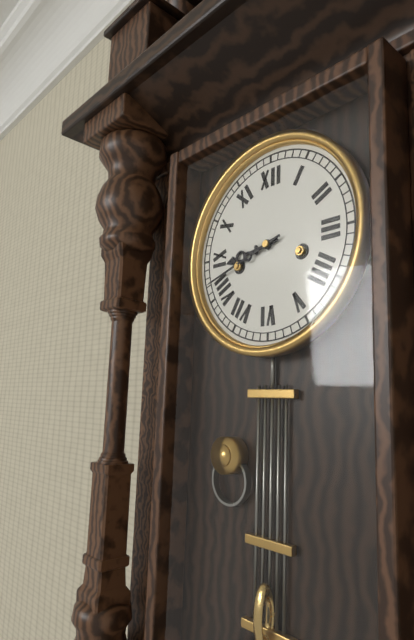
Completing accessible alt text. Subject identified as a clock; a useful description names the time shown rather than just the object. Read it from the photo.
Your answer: 8:42
